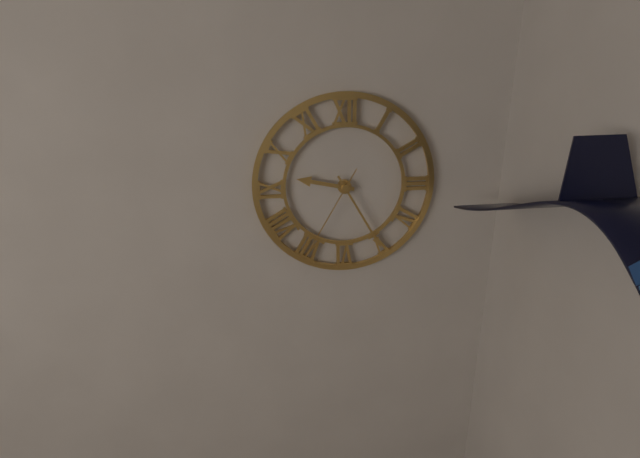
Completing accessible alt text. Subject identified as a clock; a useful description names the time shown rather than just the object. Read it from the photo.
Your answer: 9:25:35
